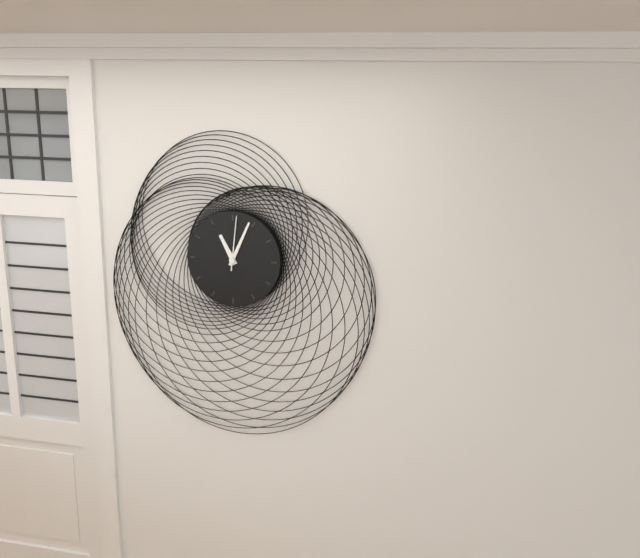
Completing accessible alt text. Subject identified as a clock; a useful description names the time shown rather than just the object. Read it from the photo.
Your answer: 11:04:01
